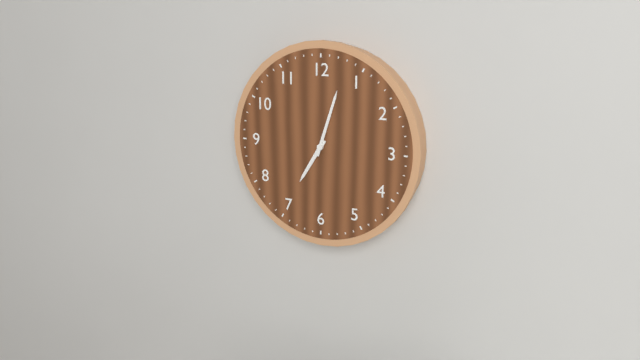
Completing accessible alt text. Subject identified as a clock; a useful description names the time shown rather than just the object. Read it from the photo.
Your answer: 7:03
